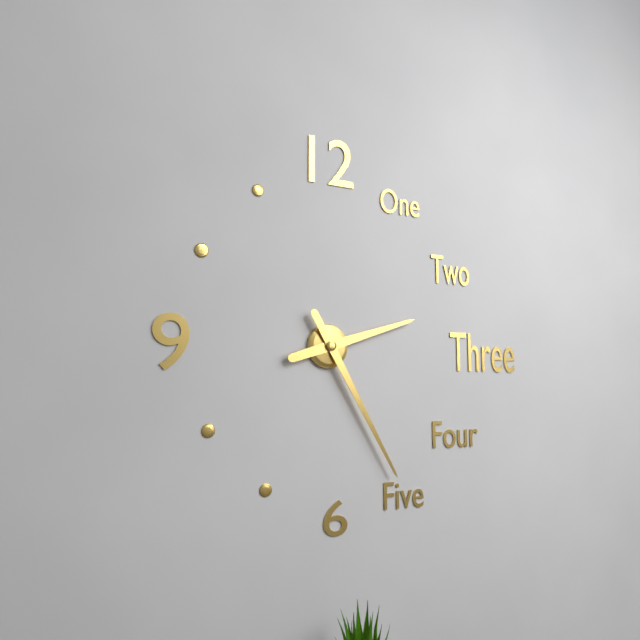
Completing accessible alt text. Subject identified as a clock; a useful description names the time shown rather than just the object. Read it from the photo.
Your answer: 2:25
